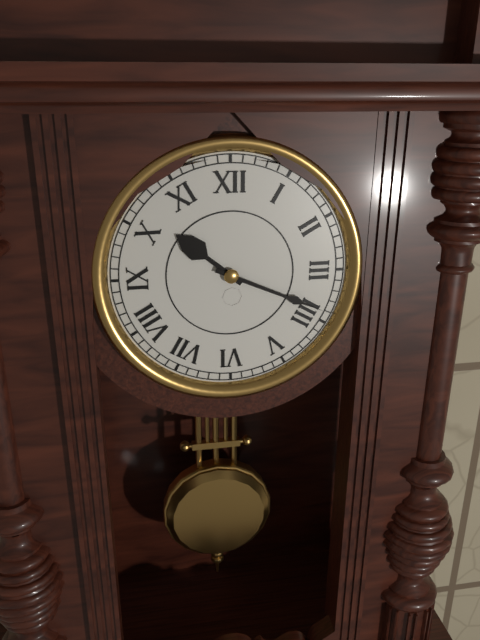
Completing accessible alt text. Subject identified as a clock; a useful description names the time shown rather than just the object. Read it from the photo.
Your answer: 10:19
